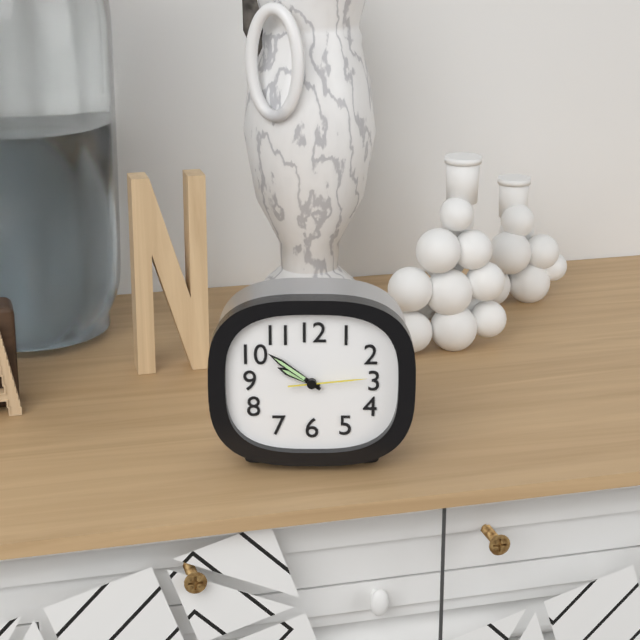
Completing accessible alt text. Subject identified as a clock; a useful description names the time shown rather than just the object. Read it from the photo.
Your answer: 9:51:14
